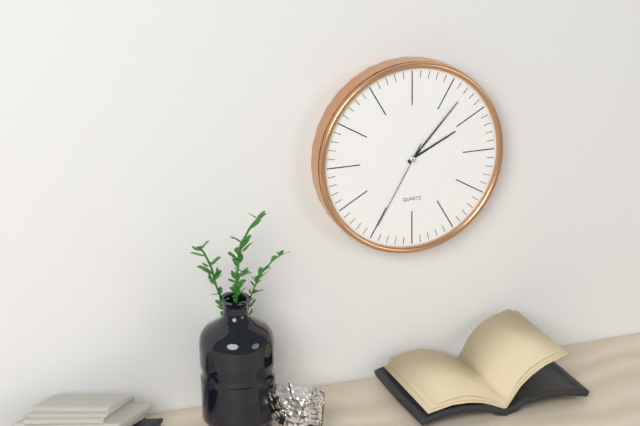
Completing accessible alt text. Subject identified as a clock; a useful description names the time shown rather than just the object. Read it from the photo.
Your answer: 2:07:35
